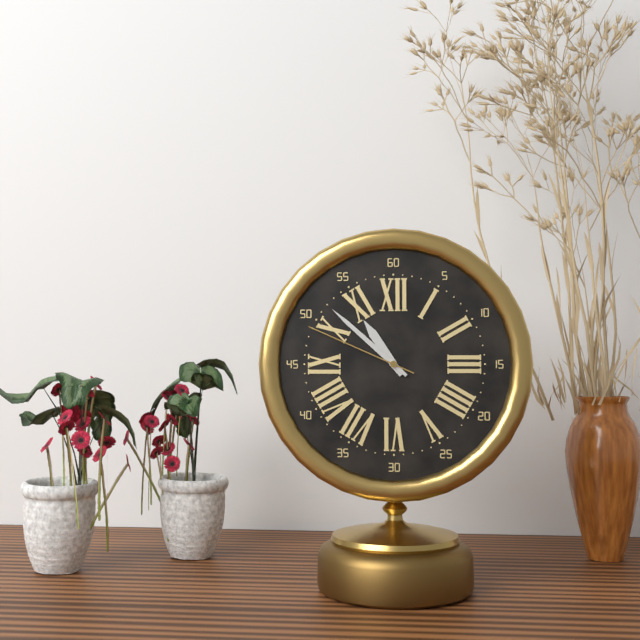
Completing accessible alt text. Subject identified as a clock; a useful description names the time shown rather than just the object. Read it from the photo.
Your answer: 10:52:49
